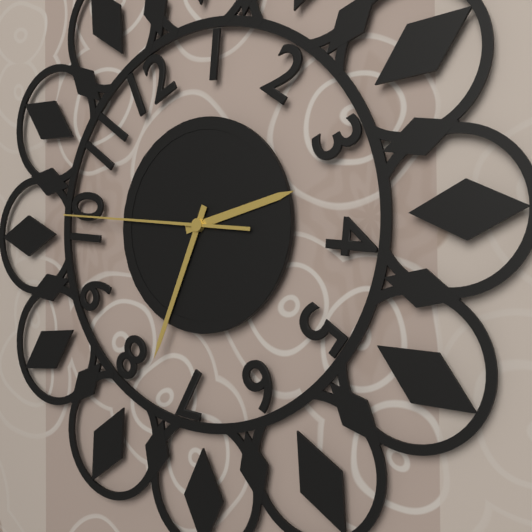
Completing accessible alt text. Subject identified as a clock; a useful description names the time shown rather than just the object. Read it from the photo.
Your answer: 2:34:46
